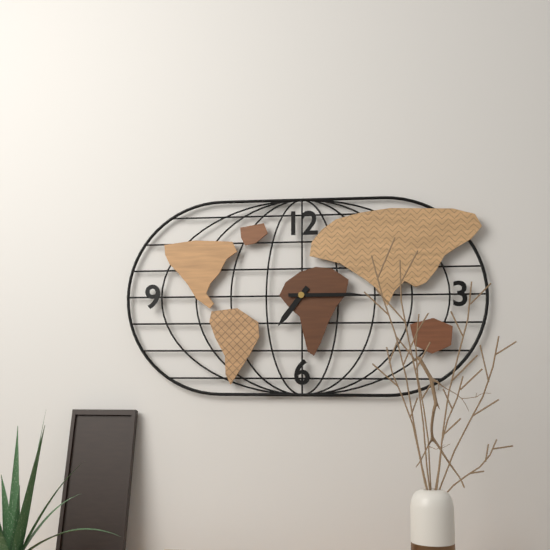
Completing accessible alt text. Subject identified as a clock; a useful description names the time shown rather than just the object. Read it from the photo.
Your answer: 7:15
